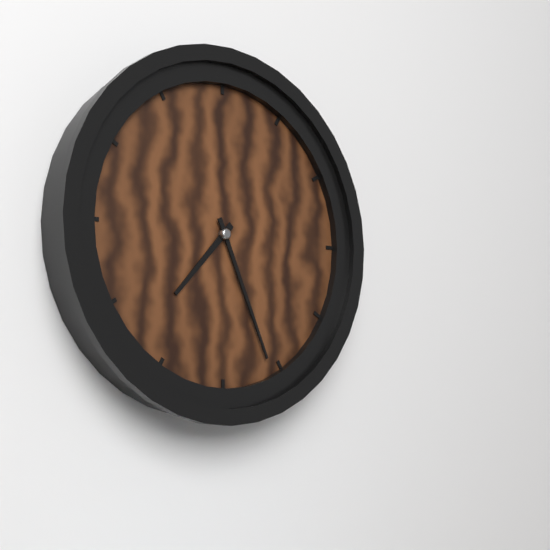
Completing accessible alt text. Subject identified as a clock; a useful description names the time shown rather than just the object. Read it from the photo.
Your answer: 7:26
